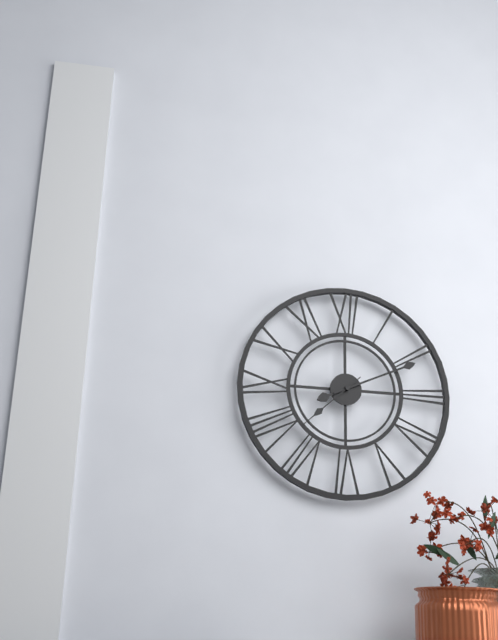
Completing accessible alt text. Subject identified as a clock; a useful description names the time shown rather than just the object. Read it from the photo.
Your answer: 8:11:38
